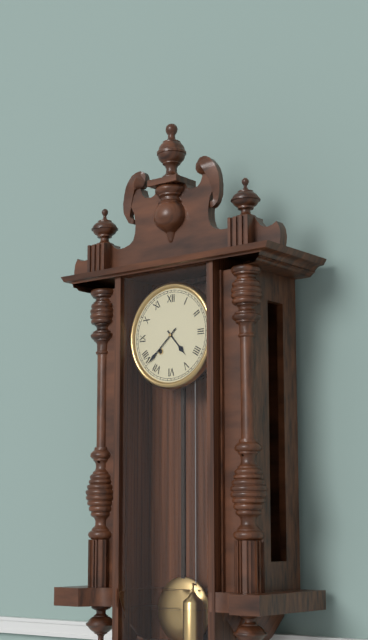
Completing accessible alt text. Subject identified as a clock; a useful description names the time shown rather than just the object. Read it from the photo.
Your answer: 4:38
